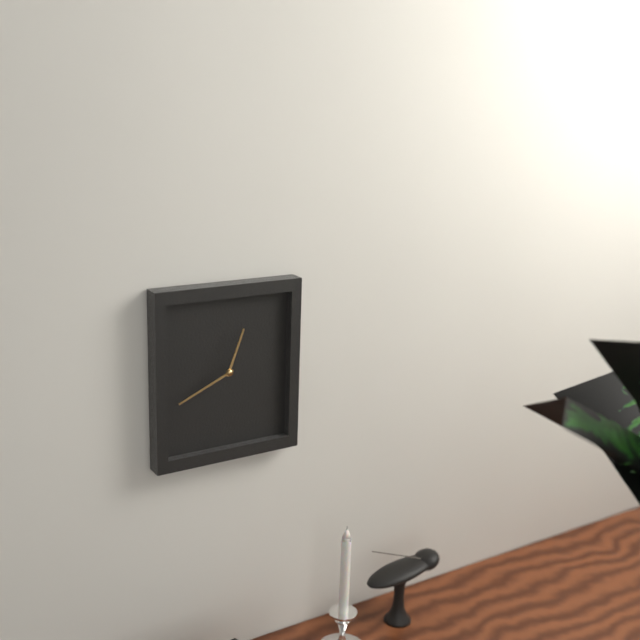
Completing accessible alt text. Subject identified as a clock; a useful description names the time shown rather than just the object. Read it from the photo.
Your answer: 12:41
